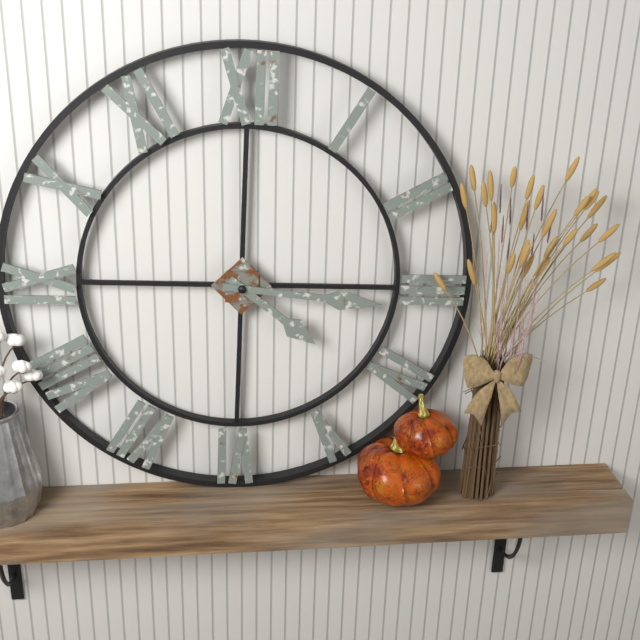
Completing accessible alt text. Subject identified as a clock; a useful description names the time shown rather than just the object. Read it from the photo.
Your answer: 4:16
